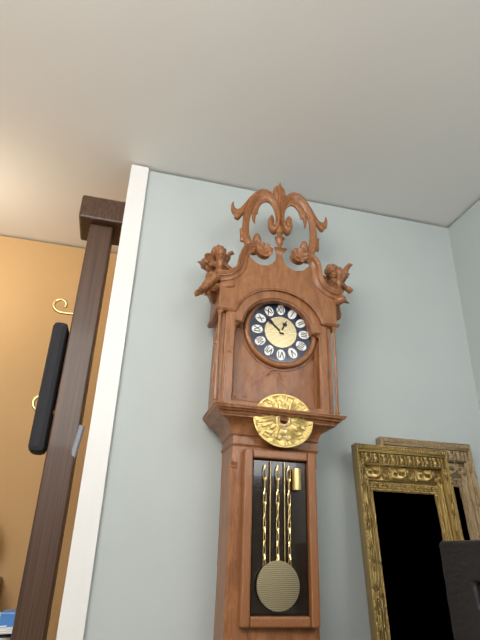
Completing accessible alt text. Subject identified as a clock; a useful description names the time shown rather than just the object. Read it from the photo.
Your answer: 12:52
